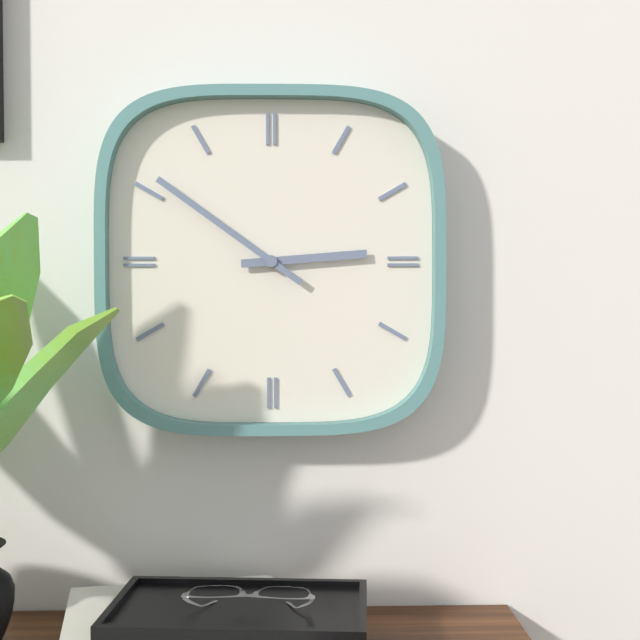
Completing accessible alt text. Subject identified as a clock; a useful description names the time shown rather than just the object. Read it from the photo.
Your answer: 2:51
